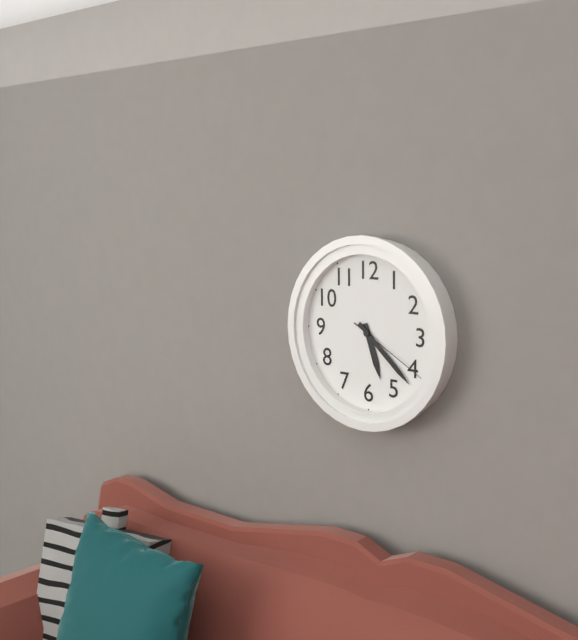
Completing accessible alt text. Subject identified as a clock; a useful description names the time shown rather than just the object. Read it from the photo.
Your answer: 5:22:20
